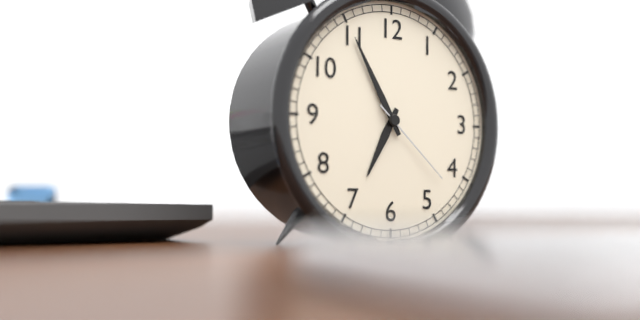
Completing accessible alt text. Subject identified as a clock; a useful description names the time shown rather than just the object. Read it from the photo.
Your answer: 6:55:22
